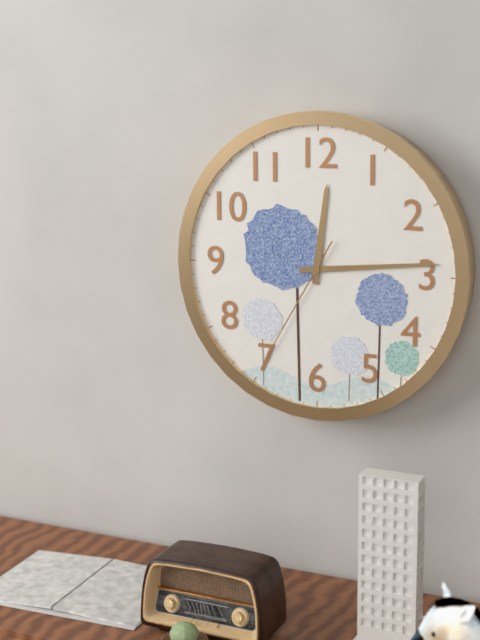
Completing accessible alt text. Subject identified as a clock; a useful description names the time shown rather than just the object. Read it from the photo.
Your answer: 12:14:35
